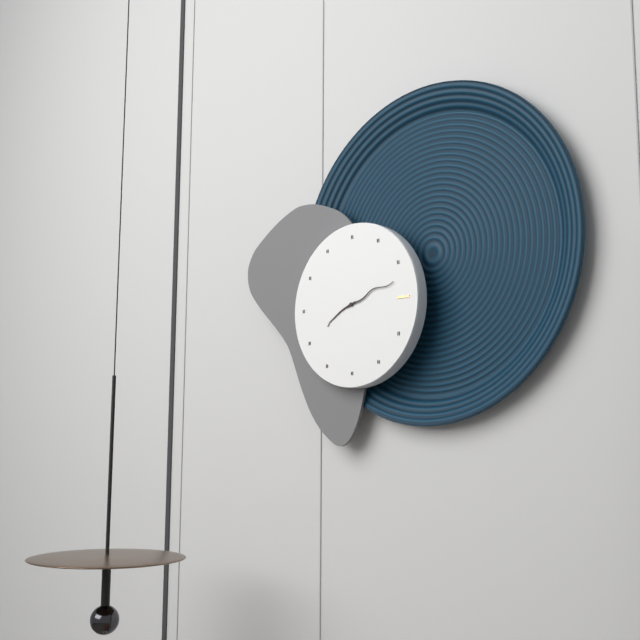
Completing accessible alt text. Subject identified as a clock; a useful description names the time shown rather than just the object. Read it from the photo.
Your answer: 8:12
